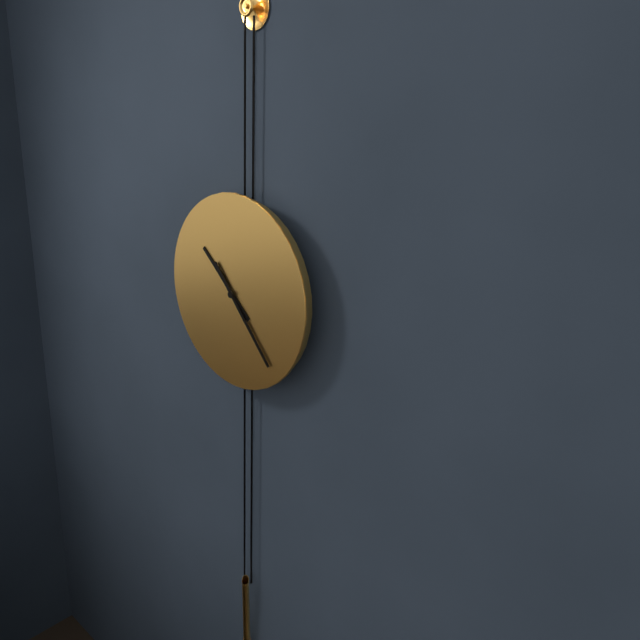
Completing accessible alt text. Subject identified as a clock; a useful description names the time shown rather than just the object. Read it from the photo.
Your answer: 10:23
